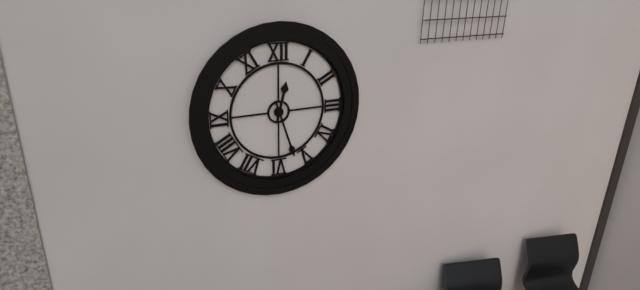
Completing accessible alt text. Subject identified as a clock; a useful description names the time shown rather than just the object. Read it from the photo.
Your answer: 12:27
